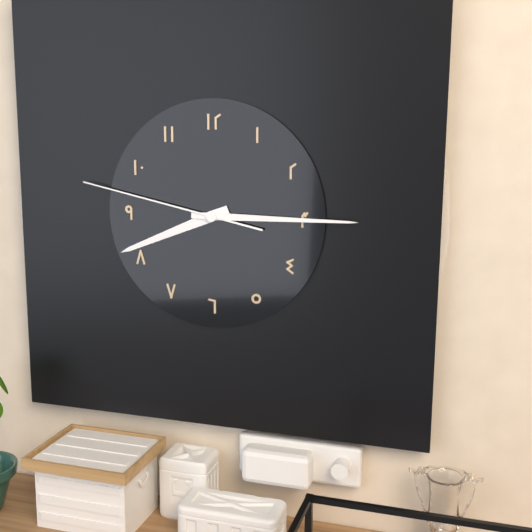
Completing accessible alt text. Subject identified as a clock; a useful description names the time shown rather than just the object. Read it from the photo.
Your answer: 8:15:47
